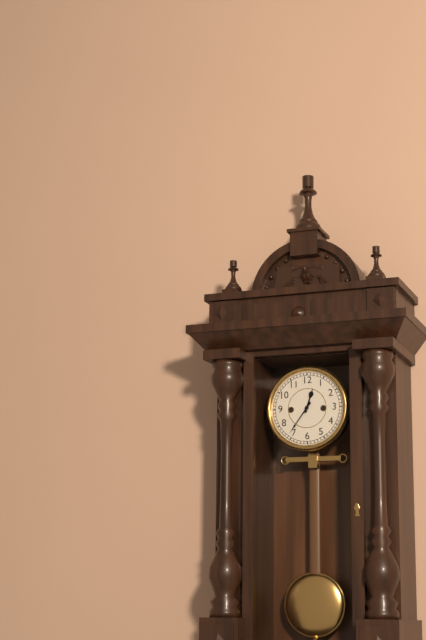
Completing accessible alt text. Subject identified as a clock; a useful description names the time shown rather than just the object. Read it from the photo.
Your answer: 12:36
